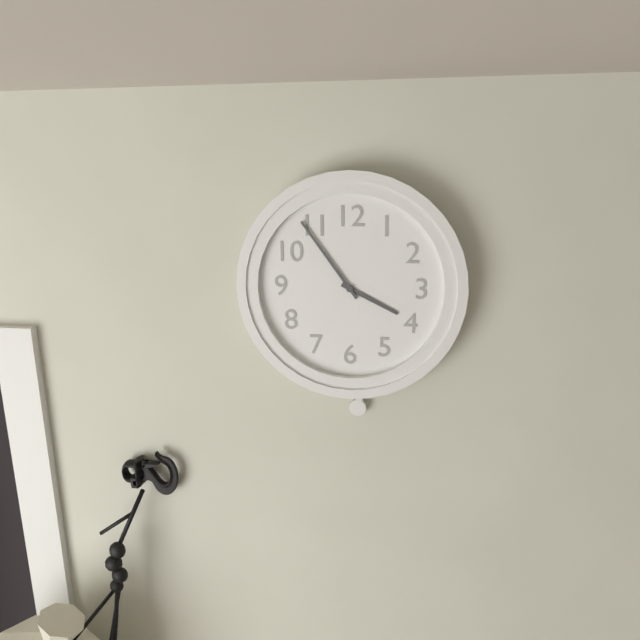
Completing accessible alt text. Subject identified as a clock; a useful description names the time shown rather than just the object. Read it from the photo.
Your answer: 3:54
